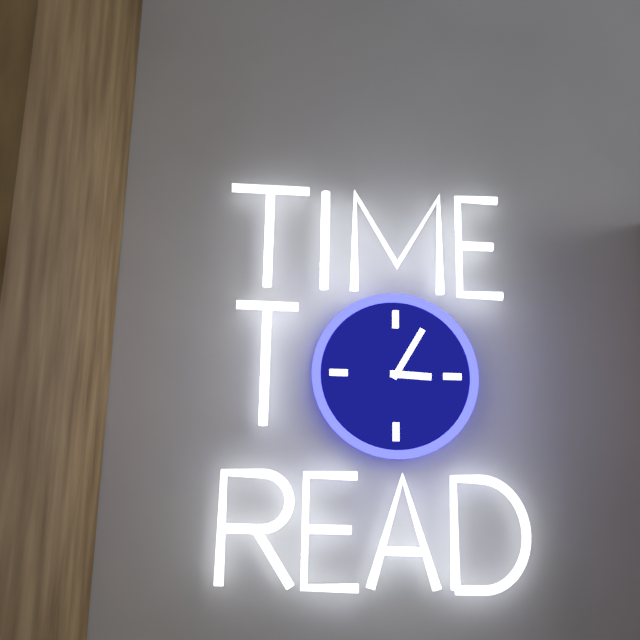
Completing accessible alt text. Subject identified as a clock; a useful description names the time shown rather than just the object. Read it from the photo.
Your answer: 3:05
